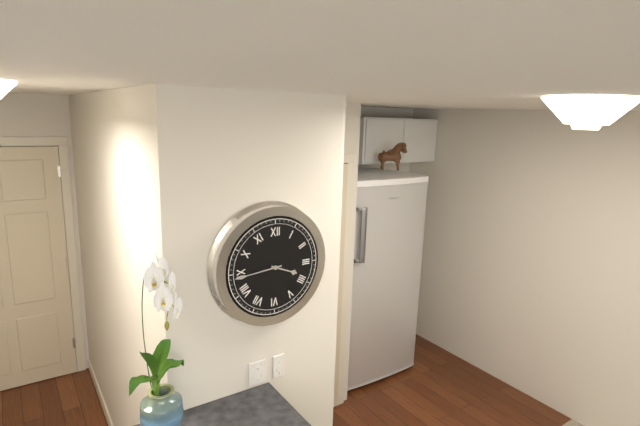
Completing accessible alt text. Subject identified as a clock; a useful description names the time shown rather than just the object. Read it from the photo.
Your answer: 3:44
